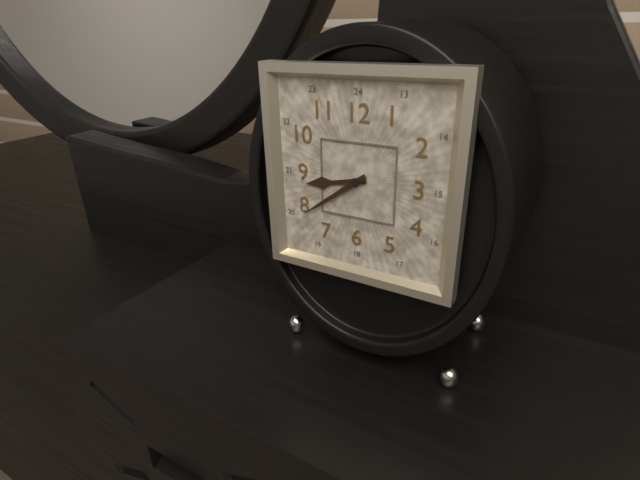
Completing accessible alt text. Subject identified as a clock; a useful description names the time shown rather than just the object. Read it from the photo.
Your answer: 8:39
